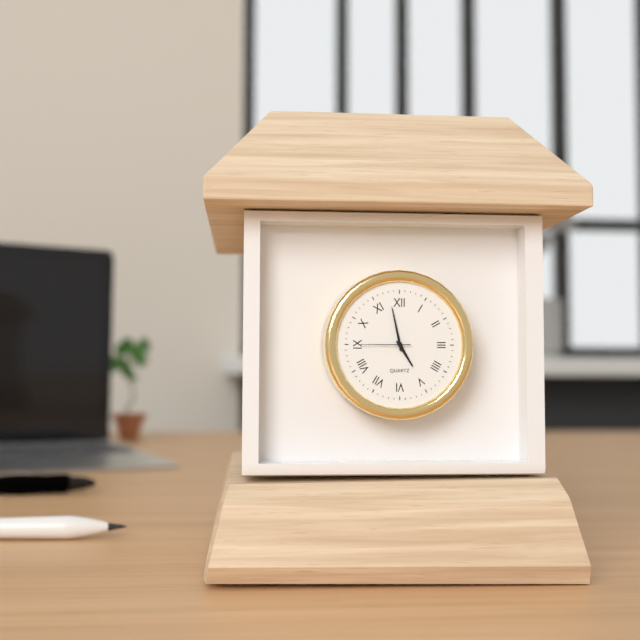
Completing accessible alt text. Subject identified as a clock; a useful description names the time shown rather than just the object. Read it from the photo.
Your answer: 4:58:45
